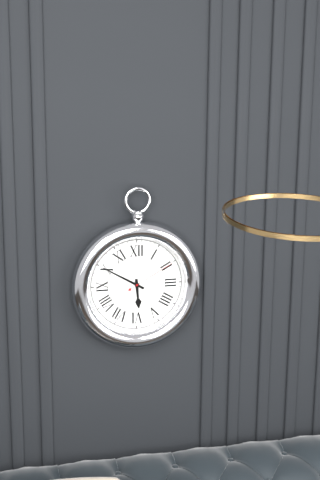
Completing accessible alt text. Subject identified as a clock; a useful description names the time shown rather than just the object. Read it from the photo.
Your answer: 5:50:10
